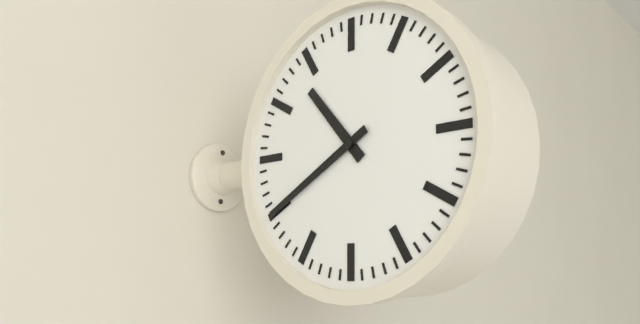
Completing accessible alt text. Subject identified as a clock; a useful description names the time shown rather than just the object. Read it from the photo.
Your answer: 10:40
